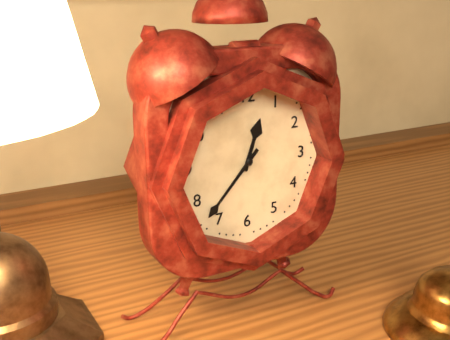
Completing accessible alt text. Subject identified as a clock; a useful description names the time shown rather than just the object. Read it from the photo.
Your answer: 12:37
